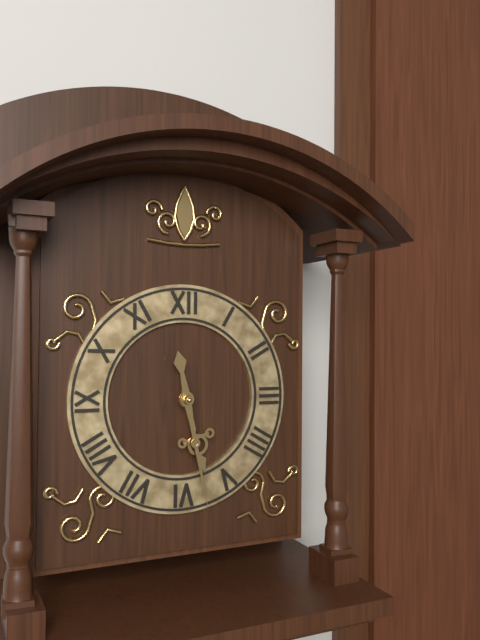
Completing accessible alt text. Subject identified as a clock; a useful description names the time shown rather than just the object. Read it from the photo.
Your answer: 5:28
